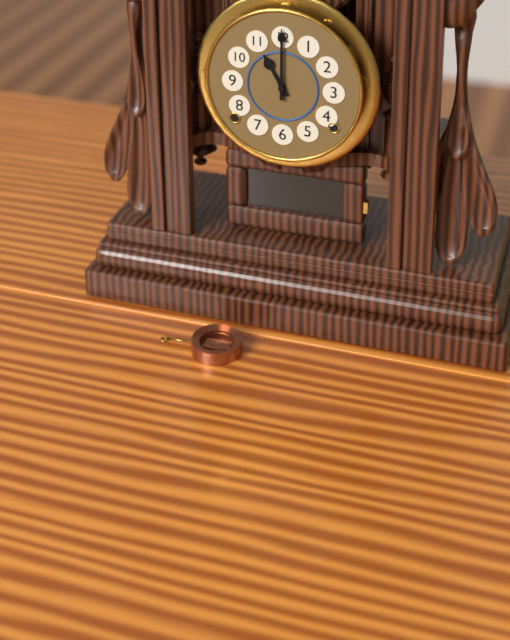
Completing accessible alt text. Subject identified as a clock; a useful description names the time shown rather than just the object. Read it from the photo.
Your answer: 11:00
